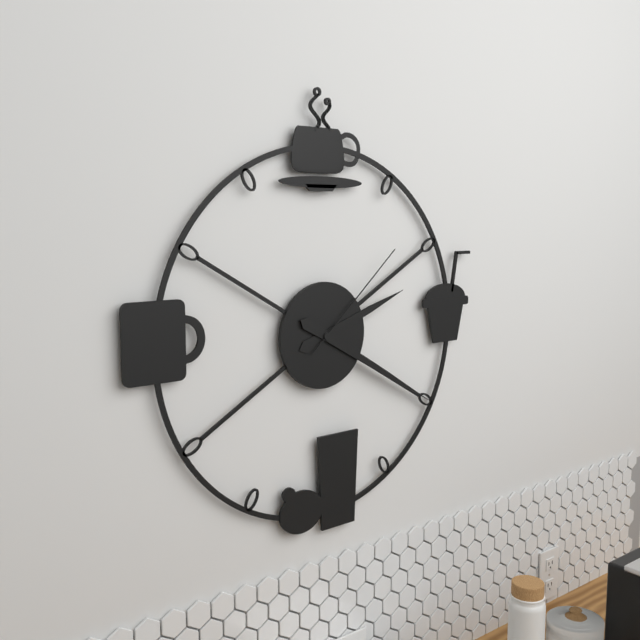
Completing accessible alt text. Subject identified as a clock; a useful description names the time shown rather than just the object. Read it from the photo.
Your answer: 2:20:08
